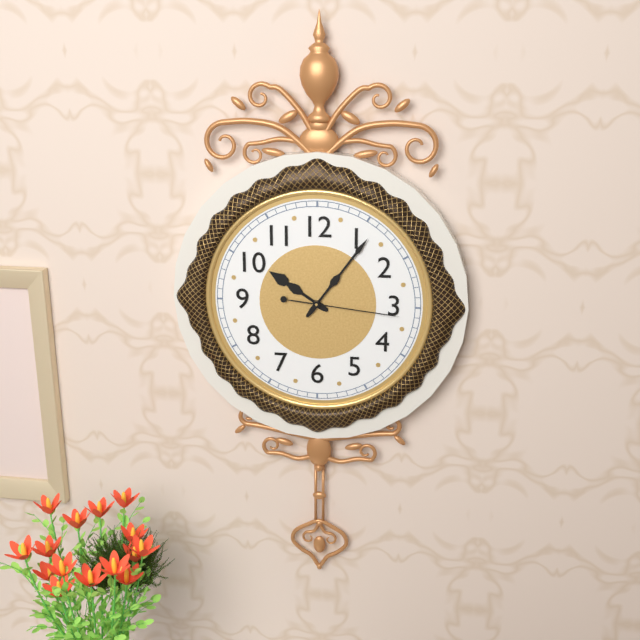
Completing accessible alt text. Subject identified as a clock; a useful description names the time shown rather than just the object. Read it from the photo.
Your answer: 10:06:16
